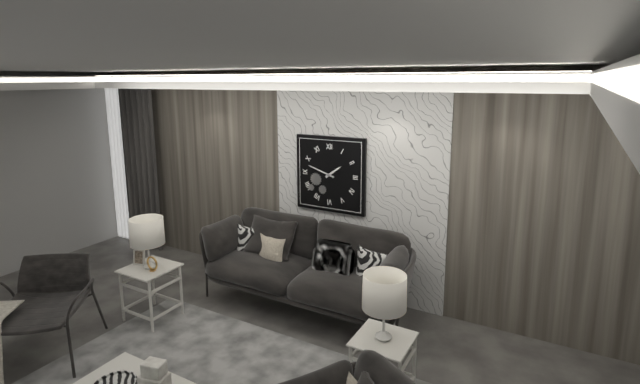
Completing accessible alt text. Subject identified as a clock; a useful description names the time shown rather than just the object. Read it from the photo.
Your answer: 1:48
